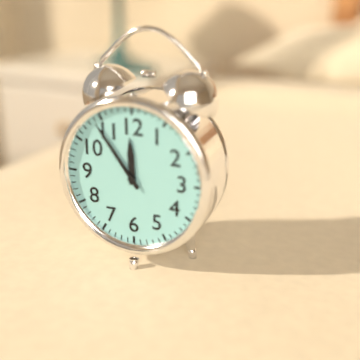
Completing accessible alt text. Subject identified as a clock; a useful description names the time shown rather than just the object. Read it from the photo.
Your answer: 11:54
